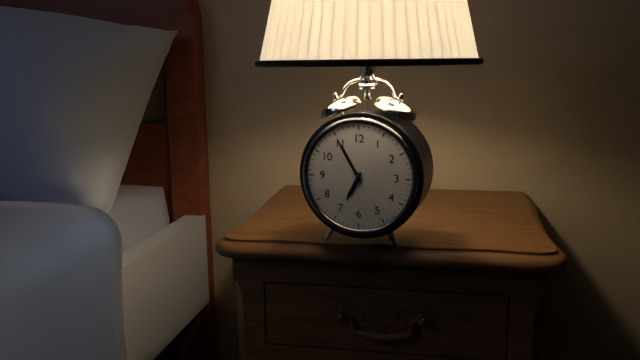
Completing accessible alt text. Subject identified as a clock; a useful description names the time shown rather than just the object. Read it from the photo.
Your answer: 6:55
